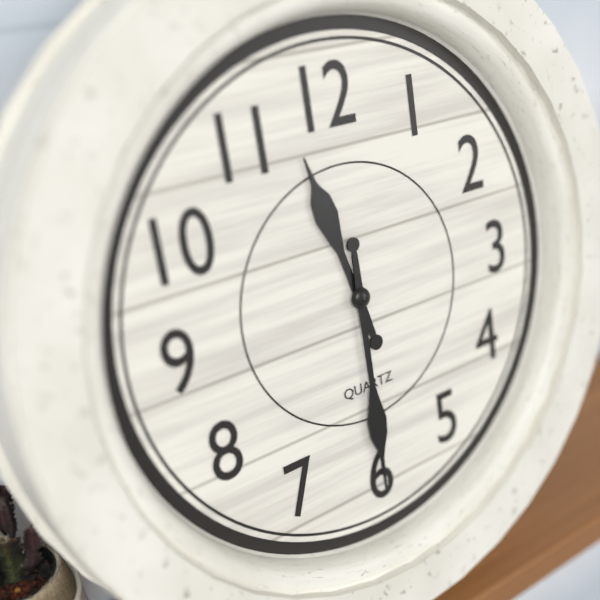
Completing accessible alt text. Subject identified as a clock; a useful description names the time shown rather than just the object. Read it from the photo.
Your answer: 11:30
